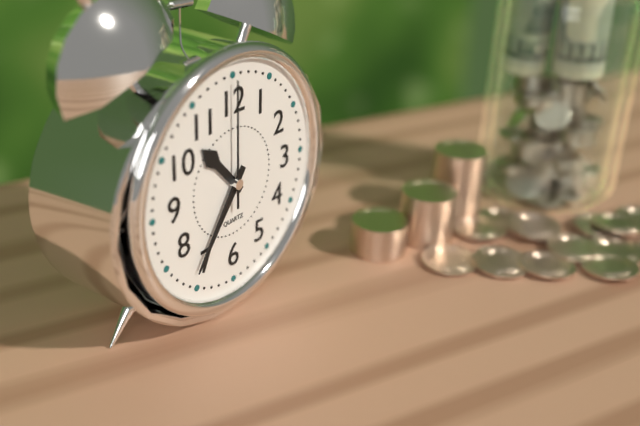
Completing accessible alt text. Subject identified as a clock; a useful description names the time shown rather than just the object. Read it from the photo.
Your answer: 10:36:00
